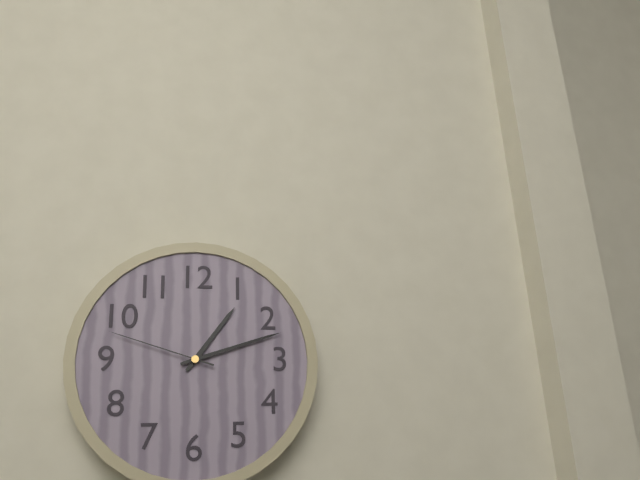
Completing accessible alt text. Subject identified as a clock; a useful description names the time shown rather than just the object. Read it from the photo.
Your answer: 1:12:48
